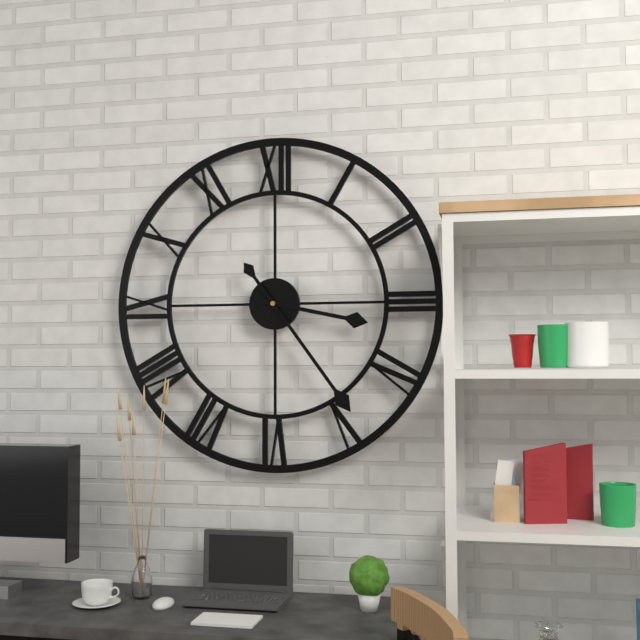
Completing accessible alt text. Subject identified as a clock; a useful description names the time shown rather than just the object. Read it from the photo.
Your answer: 3:24
